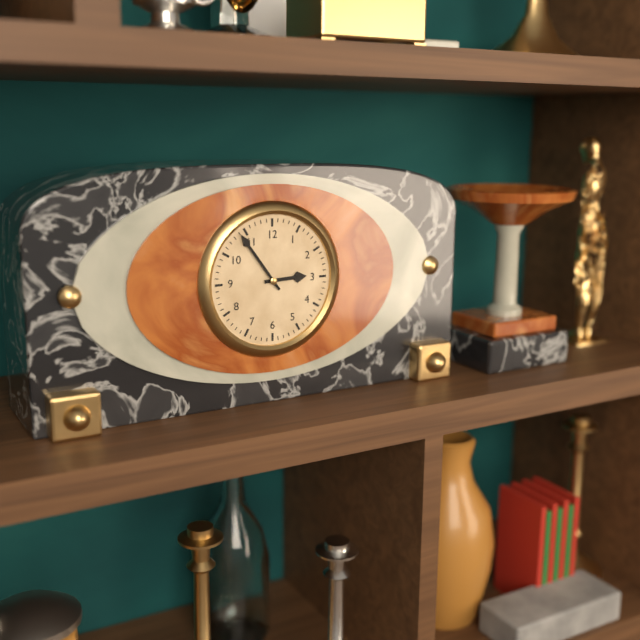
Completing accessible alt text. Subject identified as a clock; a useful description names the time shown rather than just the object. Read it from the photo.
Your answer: 2:54
